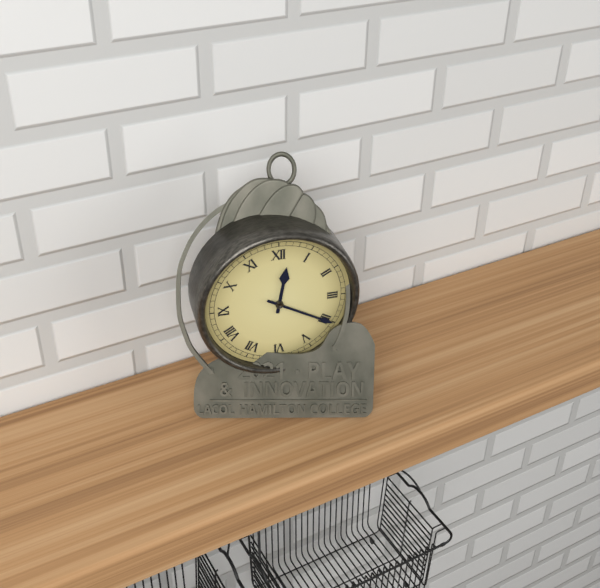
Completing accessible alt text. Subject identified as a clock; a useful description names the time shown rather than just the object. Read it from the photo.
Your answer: 12:20
